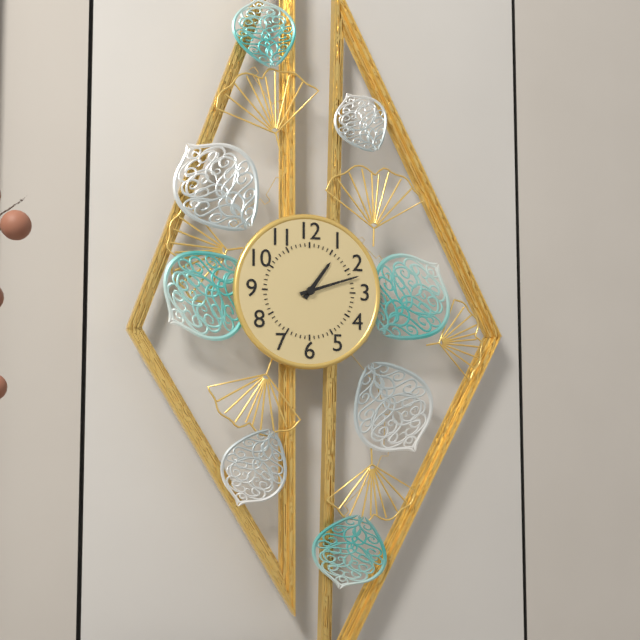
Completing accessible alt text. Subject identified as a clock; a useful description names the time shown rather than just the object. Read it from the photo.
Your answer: 1:12
